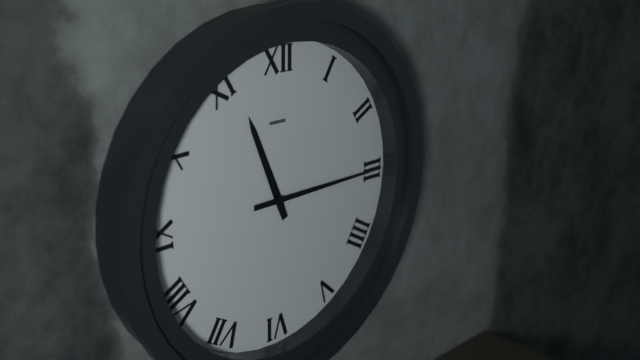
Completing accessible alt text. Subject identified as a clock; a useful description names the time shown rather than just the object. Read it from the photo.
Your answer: 11:15
